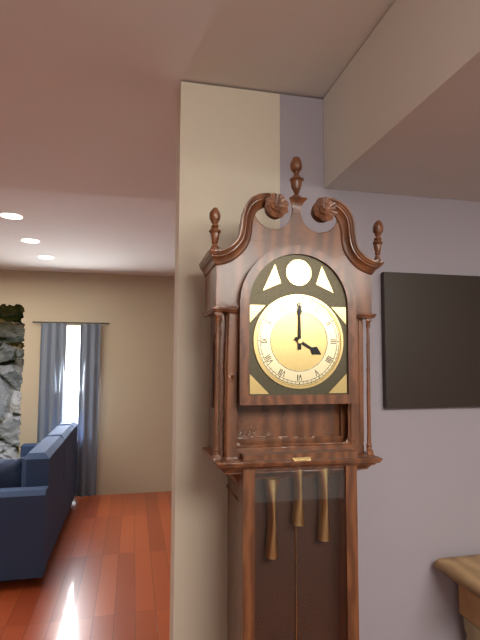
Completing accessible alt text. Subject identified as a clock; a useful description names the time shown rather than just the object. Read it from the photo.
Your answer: 4:00
